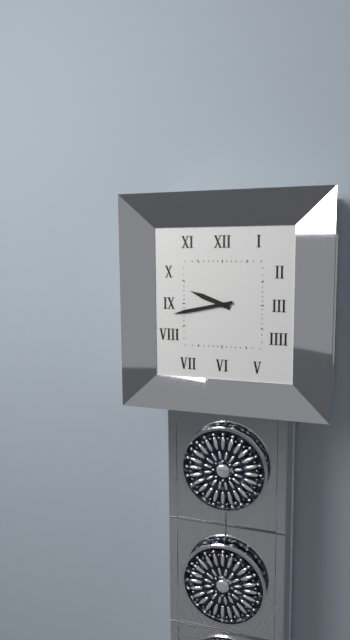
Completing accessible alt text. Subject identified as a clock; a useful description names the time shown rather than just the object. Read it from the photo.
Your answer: 9:43
